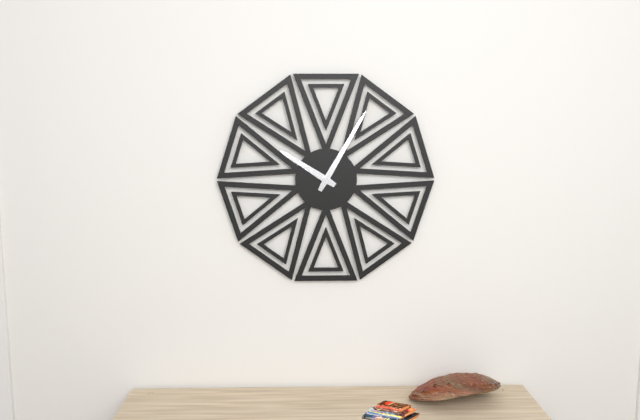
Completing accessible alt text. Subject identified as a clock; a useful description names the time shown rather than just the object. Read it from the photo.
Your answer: 10:05
